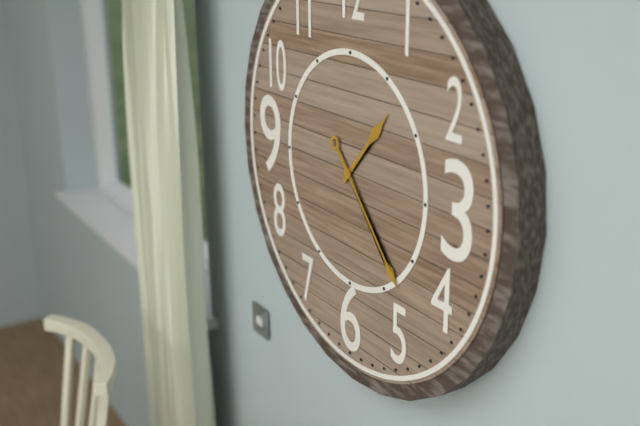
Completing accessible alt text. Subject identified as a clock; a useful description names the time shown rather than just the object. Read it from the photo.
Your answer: 1:23
